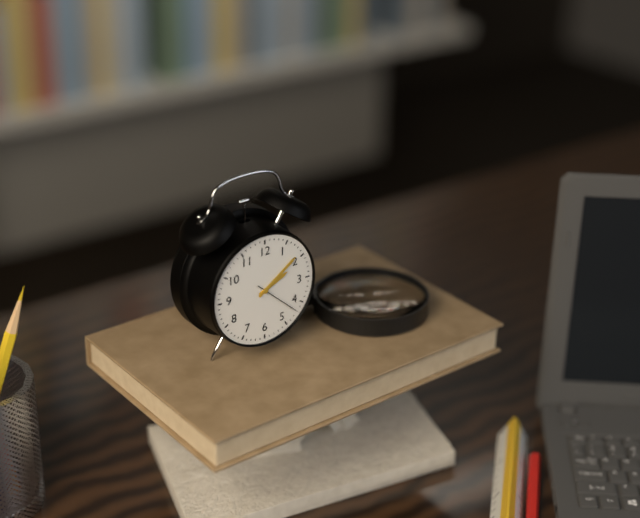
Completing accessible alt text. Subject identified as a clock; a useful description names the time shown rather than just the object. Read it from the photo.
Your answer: 2:09
